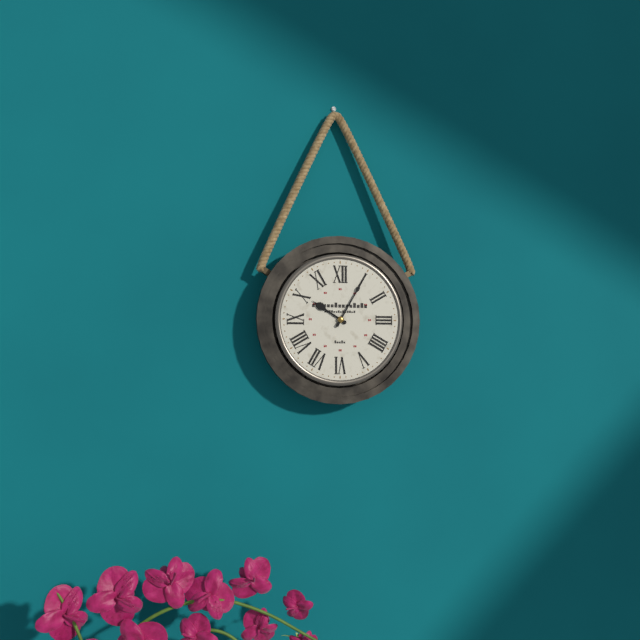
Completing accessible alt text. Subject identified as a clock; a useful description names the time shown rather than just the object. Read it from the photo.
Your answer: 10:05
